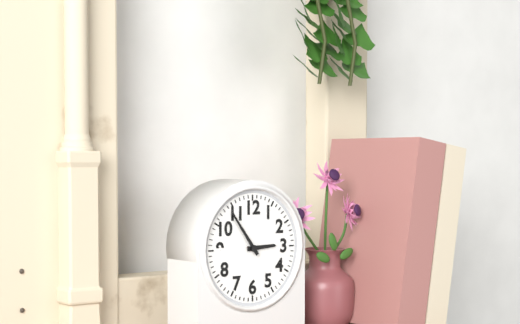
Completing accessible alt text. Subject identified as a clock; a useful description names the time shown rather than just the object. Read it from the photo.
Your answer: 2:54
